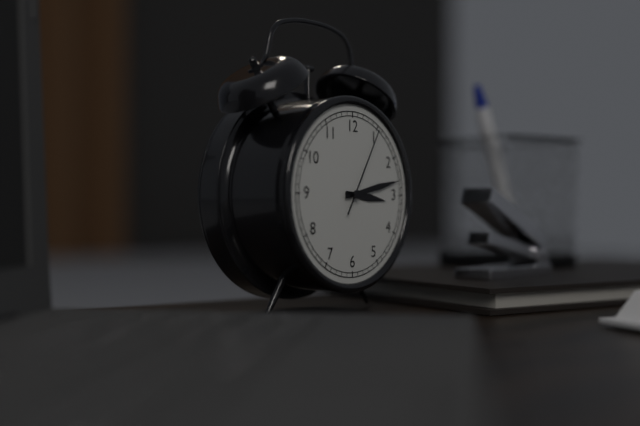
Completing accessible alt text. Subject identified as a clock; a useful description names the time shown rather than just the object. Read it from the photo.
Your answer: 3:13:05
